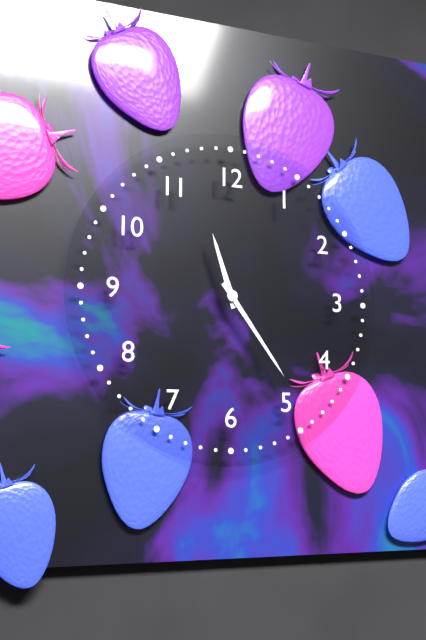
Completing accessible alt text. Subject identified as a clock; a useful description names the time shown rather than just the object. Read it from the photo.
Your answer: 11:24
